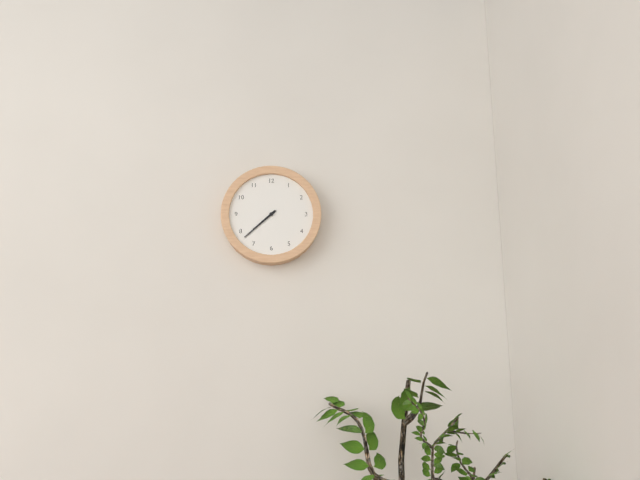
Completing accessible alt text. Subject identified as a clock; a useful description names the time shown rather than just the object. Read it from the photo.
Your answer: 7:38
